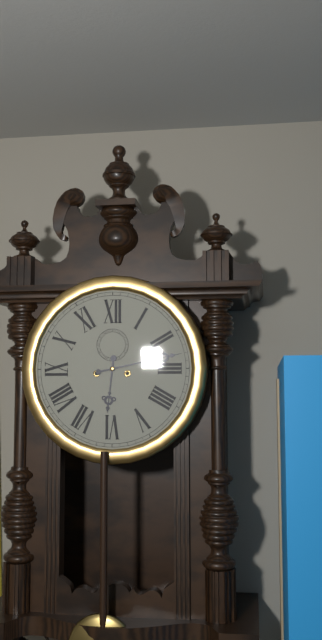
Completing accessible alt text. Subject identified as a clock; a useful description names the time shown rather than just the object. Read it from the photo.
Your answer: 6:13
